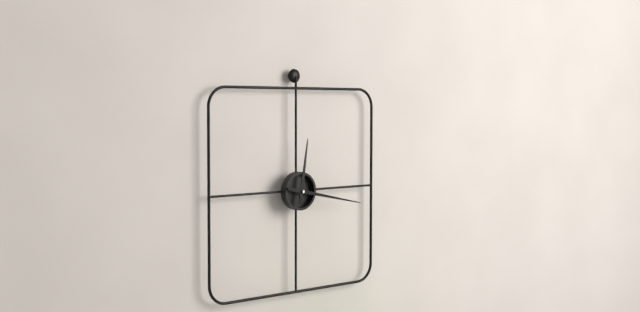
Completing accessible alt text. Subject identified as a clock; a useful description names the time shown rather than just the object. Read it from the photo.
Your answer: 12:17
